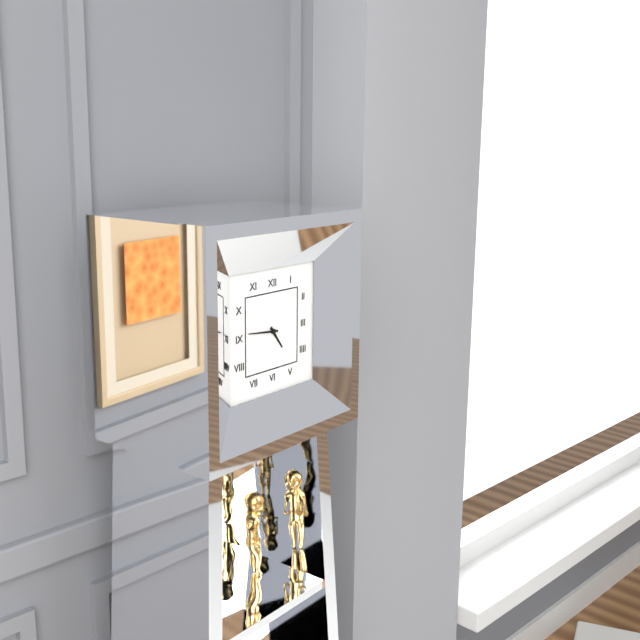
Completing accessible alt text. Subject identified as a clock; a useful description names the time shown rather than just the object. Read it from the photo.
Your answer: 4:46
